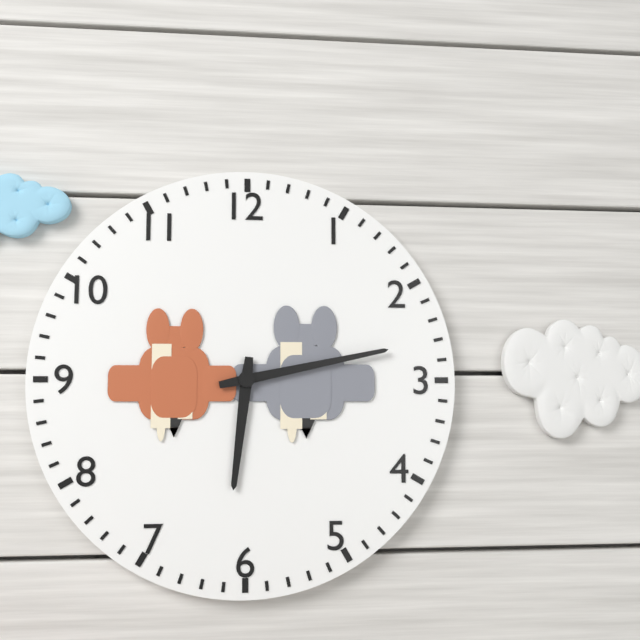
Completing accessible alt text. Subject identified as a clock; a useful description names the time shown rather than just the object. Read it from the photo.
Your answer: 6:13
